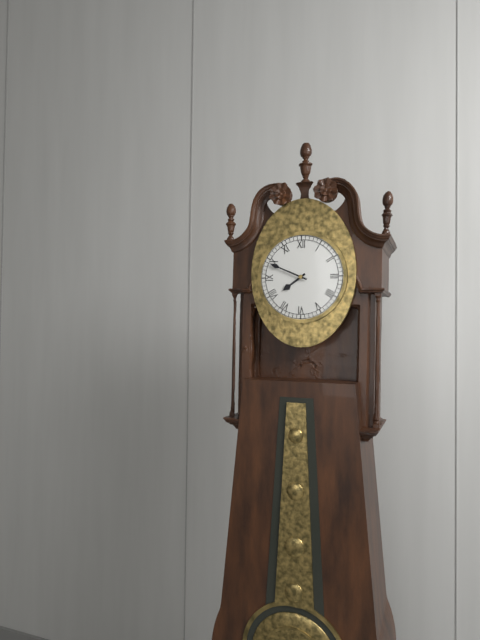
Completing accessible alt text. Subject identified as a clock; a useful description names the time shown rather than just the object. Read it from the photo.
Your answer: 7:49
